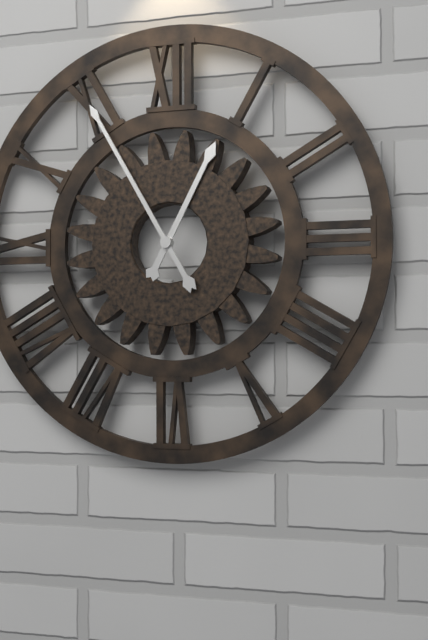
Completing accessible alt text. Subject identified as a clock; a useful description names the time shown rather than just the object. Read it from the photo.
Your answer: 12:55
